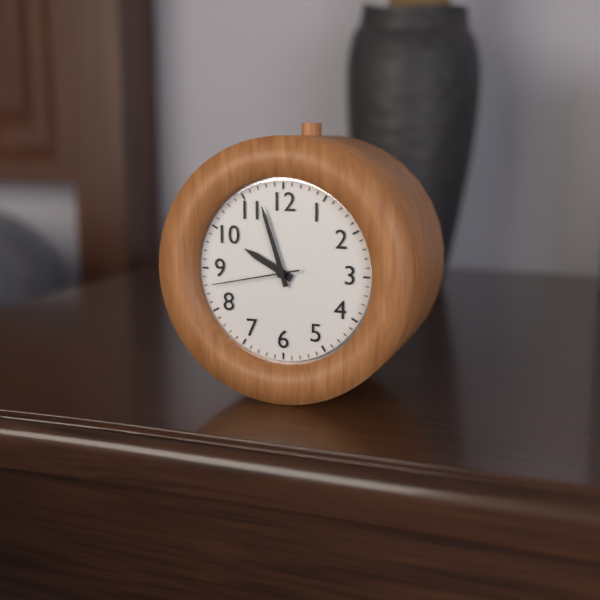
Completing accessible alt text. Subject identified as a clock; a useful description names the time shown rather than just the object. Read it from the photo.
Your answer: 9:57:43
